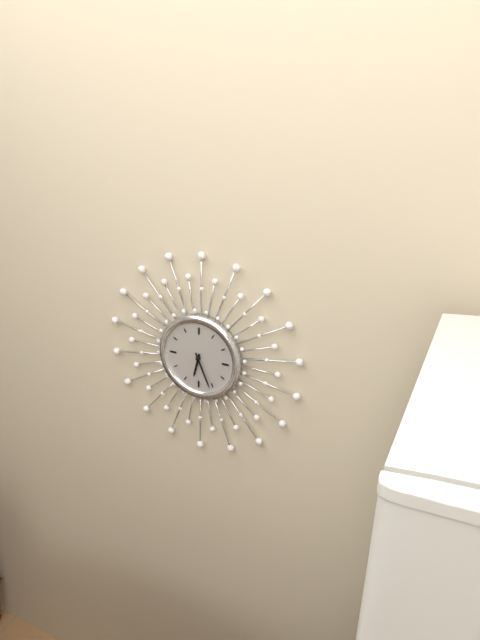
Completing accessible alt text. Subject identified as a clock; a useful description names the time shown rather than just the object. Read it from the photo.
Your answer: 6:26
